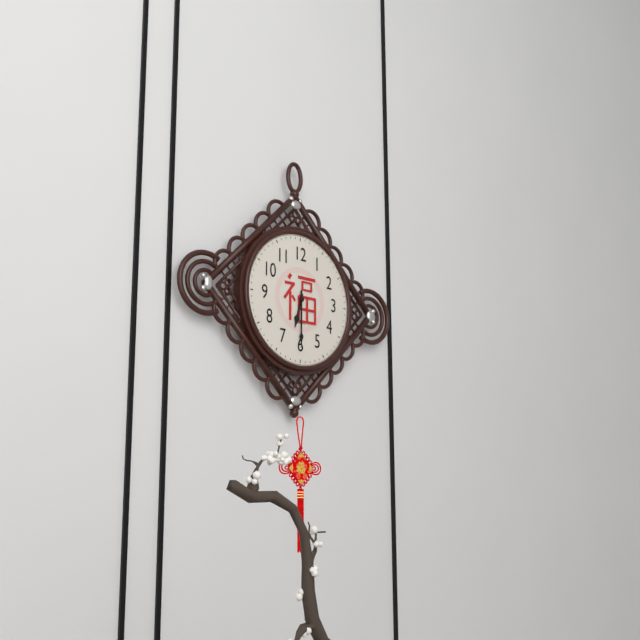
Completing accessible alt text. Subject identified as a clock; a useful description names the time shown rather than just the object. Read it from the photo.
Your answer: 6:30
